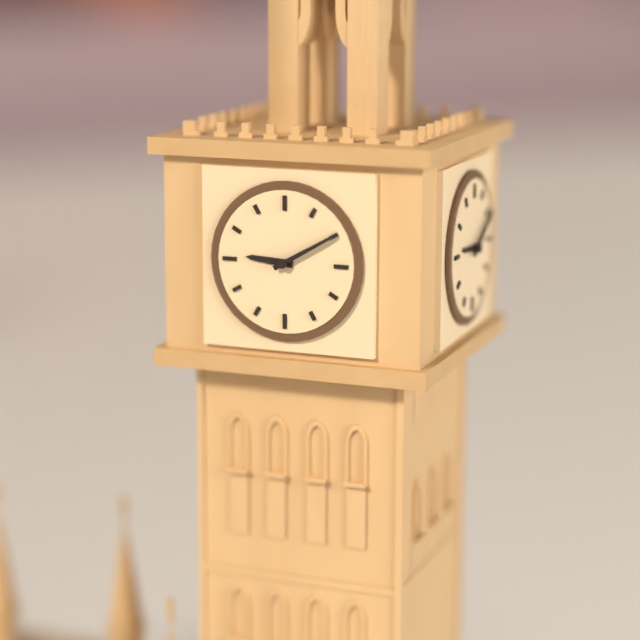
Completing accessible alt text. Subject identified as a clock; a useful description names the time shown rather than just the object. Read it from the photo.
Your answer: 9:10
